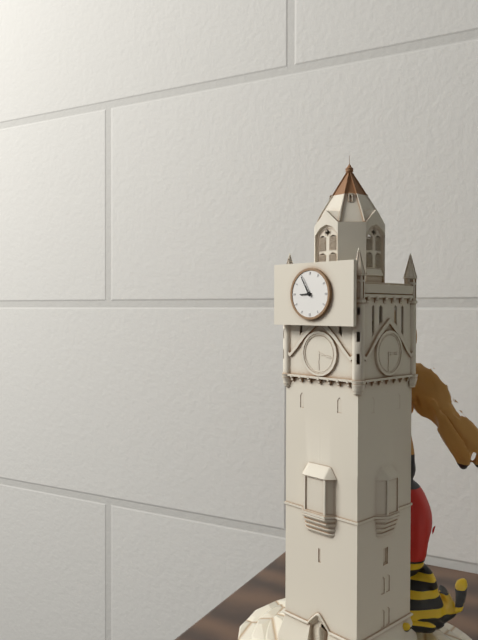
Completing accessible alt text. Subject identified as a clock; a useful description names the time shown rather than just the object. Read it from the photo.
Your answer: 8:55
